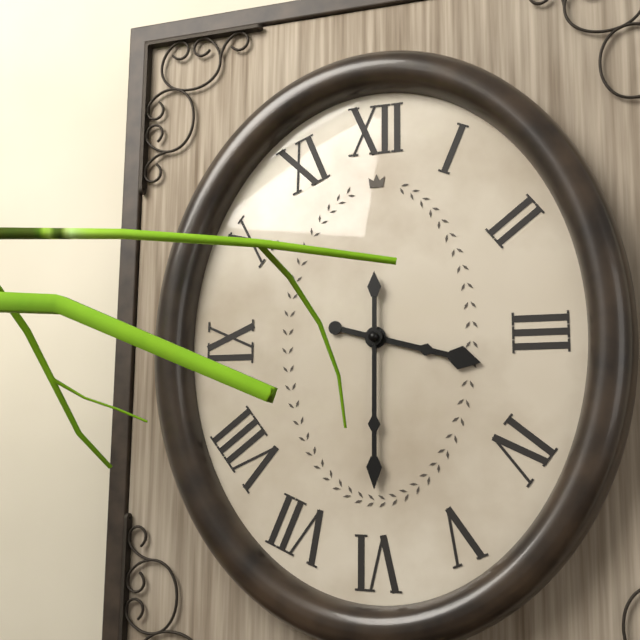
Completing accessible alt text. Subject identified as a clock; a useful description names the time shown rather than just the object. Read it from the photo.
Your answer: 3:30
